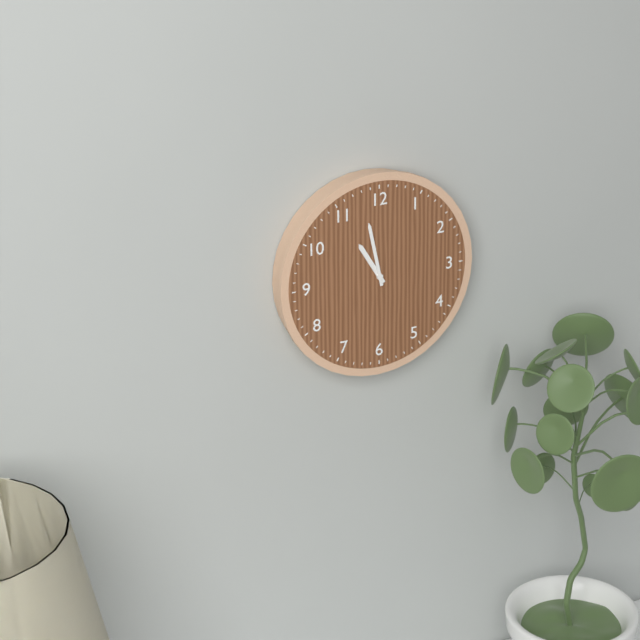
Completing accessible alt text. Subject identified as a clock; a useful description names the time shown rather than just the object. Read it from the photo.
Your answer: 10:58
